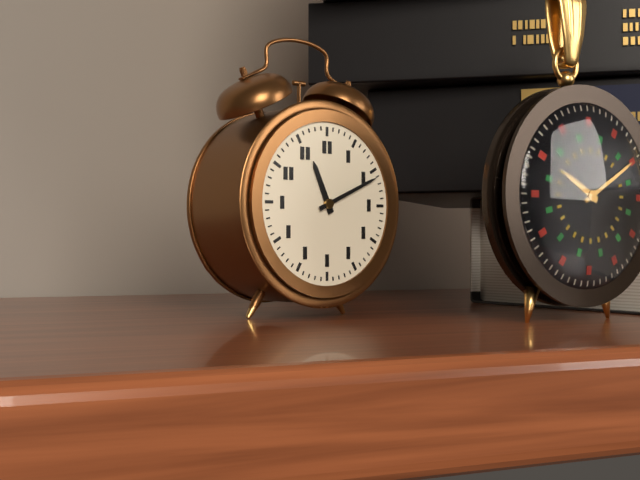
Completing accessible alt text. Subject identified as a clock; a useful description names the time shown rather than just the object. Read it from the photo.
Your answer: 11:11
